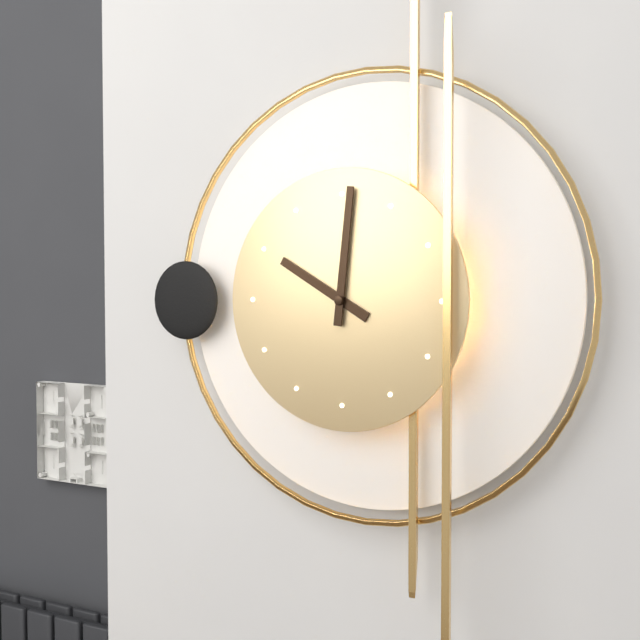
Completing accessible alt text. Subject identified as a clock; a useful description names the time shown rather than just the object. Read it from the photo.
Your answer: 10:01
